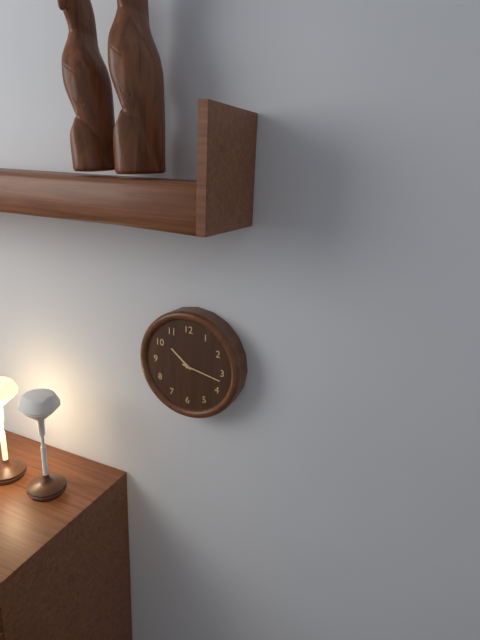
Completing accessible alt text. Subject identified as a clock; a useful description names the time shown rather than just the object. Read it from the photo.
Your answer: 10:17
